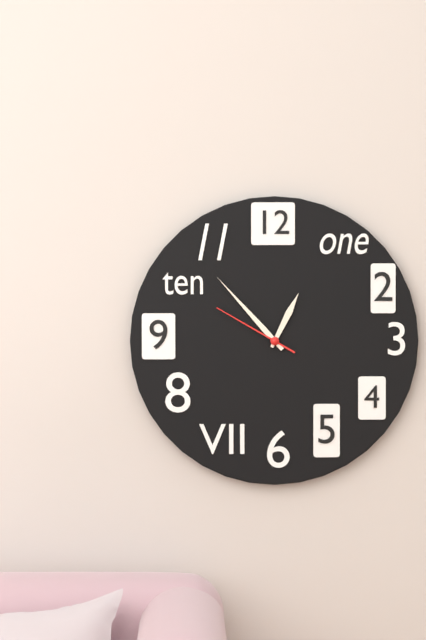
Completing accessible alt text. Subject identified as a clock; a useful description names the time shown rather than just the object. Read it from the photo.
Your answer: 12:53:50
